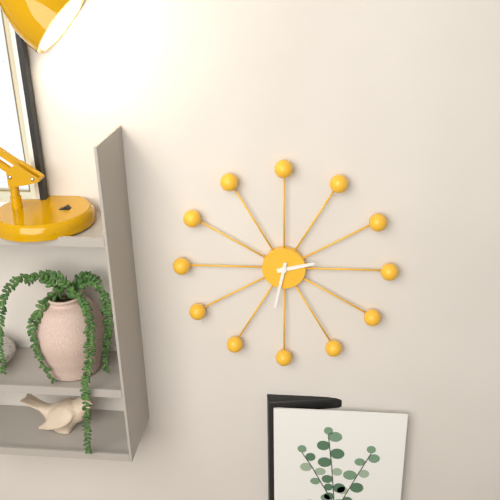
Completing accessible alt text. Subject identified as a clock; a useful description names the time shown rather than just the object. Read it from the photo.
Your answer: 2:32
